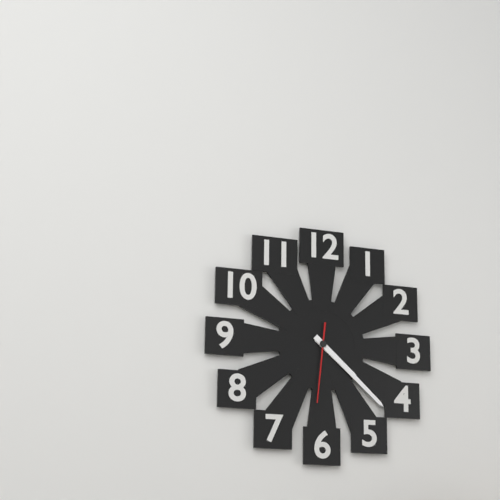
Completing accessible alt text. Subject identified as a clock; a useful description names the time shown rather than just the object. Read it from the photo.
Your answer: 4:22:31
